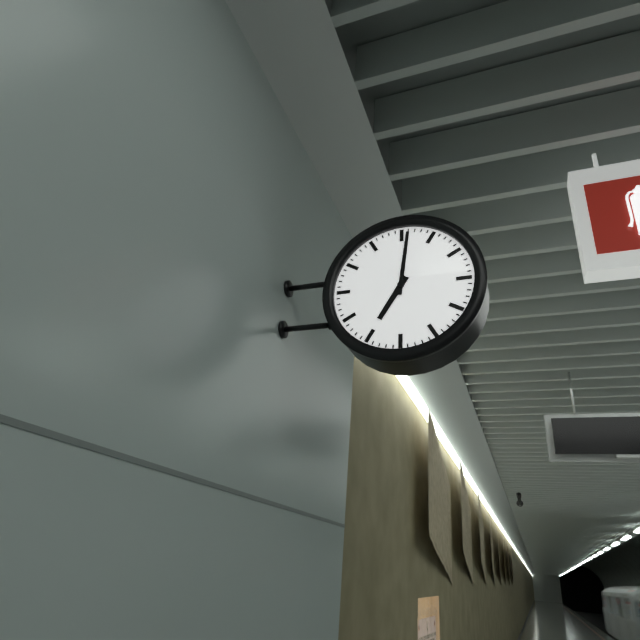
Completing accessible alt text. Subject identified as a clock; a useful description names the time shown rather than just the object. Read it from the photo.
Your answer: 7:01
